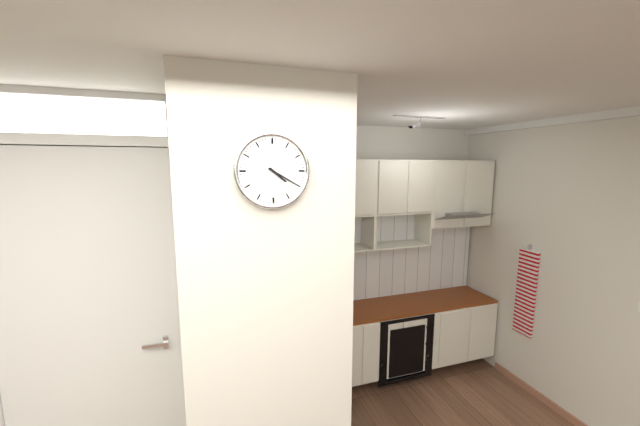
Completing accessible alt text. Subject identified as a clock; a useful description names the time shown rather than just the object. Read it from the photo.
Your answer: 4:20
